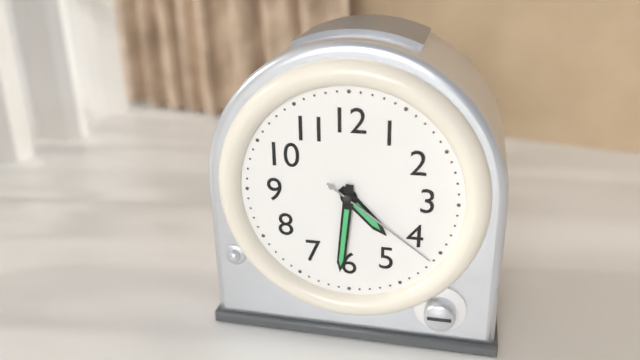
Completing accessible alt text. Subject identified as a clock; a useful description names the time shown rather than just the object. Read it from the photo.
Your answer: 4:31:21
